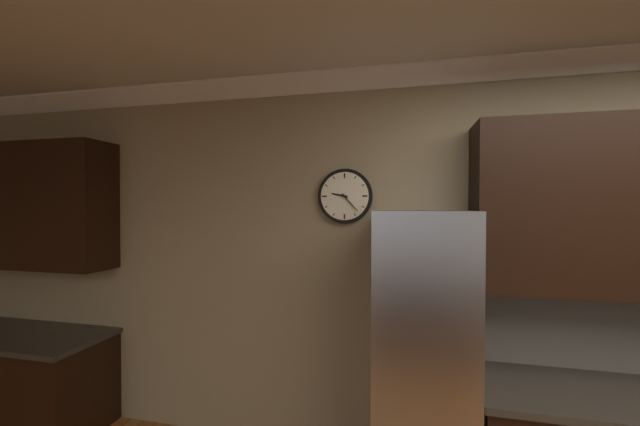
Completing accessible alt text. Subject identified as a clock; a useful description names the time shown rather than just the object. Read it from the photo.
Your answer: 9:23
